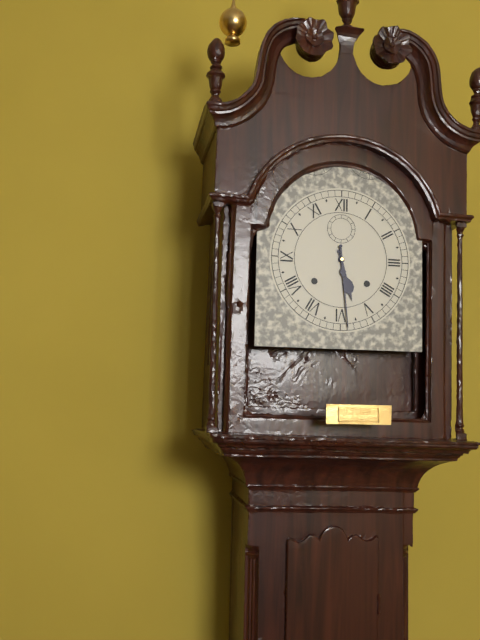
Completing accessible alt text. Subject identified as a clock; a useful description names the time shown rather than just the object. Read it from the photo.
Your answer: 5:29
